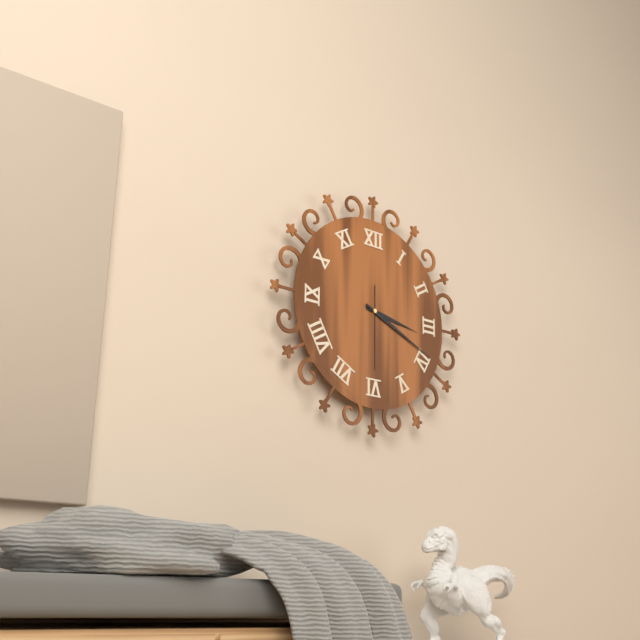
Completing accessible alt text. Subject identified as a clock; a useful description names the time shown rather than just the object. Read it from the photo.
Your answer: 3:19:30
